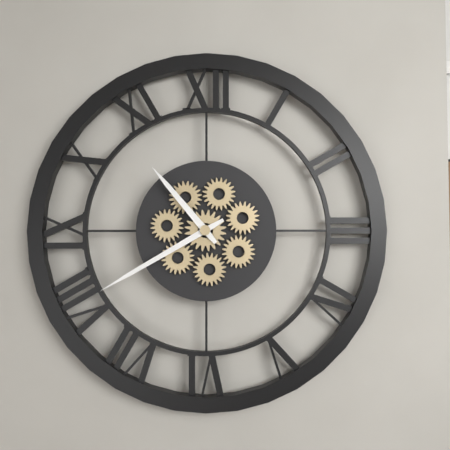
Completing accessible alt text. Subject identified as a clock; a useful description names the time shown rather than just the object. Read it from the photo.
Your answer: 10:40
